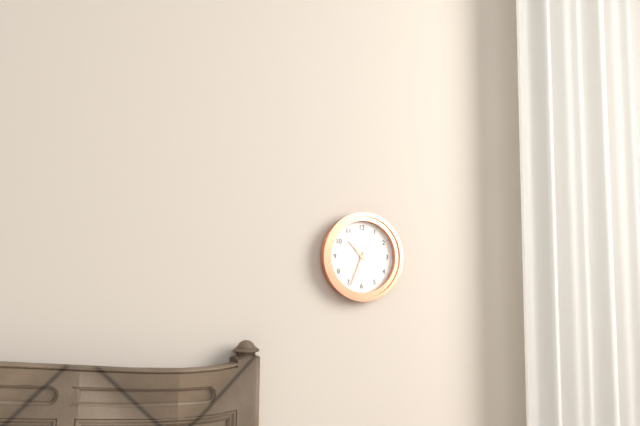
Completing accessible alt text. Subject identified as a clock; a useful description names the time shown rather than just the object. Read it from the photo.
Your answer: 10:34
